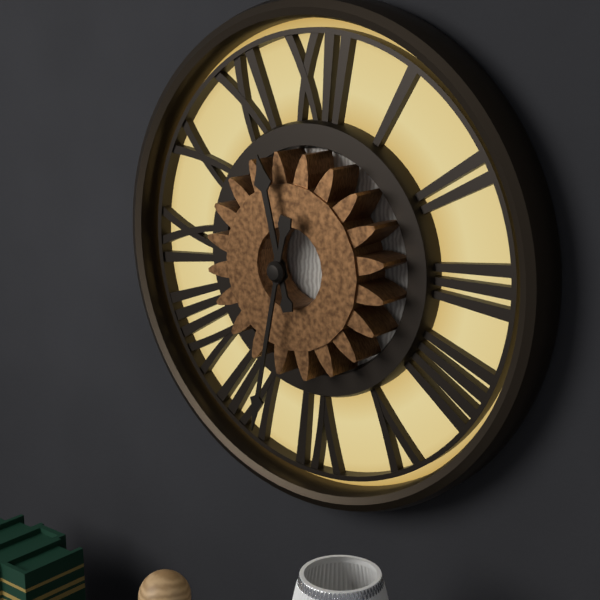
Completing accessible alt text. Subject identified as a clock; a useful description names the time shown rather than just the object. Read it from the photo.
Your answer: 11:32
